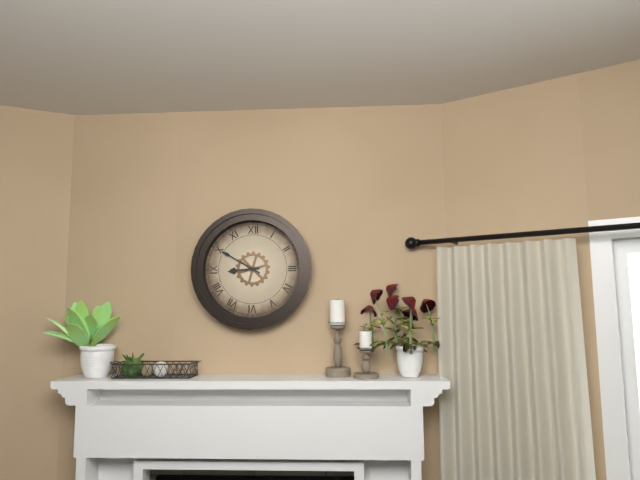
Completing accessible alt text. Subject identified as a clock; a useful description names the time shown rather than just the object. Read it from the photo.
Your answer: 8:50
